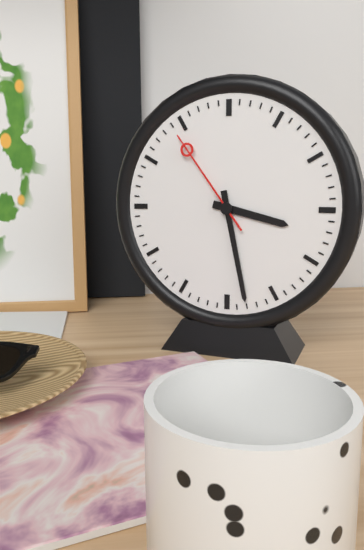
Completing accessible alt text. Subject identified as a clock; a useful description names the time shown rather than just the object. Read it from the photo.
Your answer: 3:28:54
